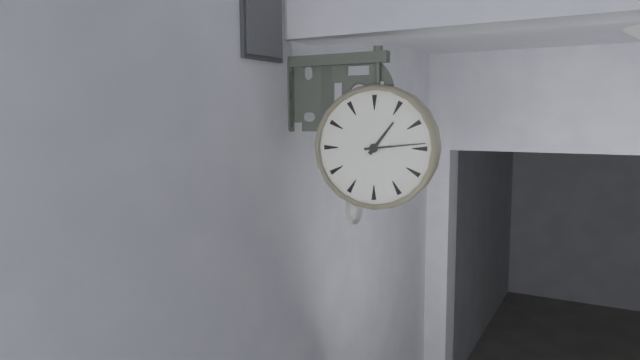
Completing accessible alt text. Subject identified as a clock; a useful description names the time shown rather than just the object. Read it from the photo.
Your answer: 1:14
